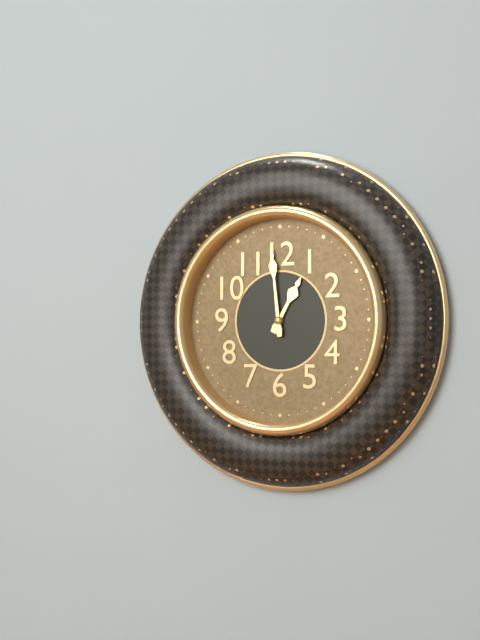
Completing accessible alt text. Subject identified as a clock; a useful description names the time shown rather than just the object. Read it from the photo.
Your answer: 12:59
